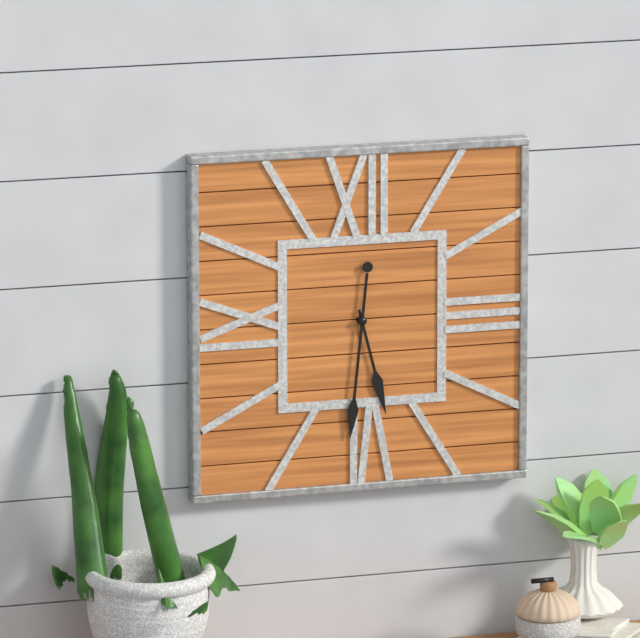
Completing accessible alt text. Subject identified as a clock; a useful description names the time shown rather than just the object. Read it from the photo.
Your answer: 5:31
